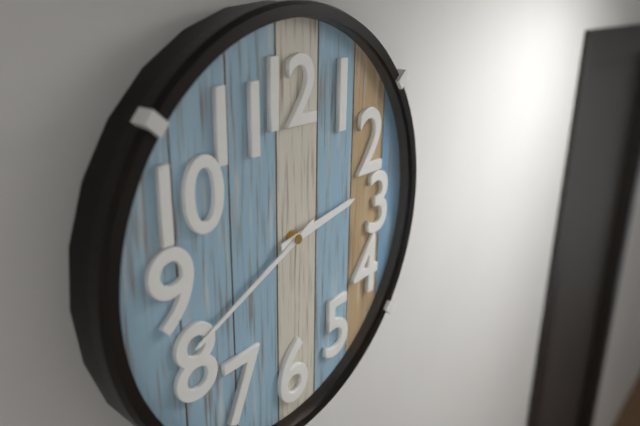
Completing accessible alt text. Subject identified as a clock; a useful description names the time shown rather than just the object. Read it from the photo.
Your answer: 2:41
